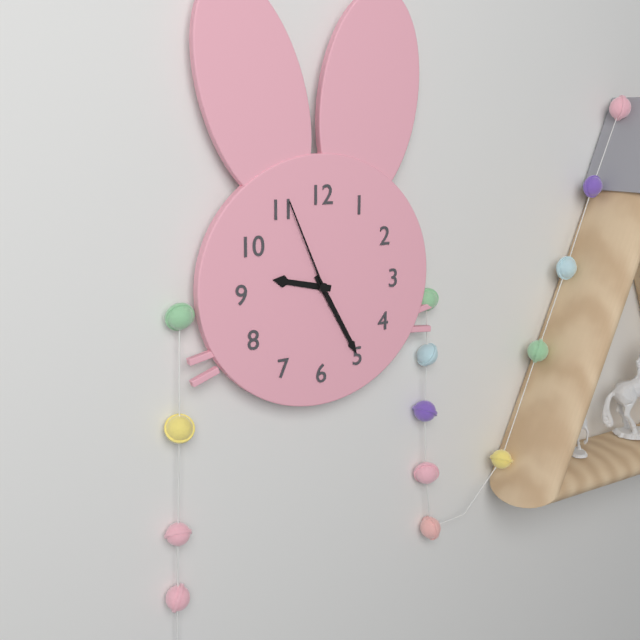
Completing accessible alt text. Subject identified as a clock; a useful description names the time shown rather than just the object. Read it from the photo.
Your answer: 9:25:56
